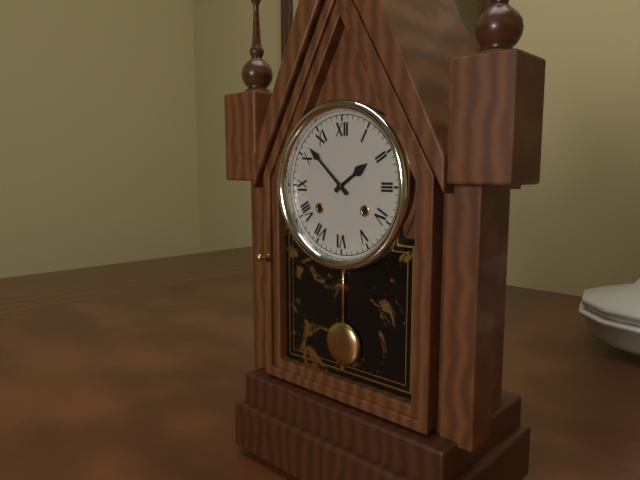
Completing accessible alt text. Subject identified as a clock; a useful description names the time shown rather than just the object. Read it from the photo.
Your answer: 1:52
